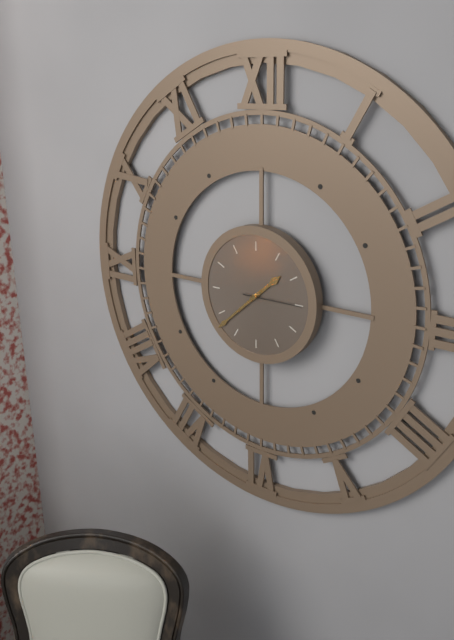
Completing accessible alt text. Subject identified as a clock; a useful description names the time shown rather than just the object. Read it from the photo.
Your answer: 1:38:15
